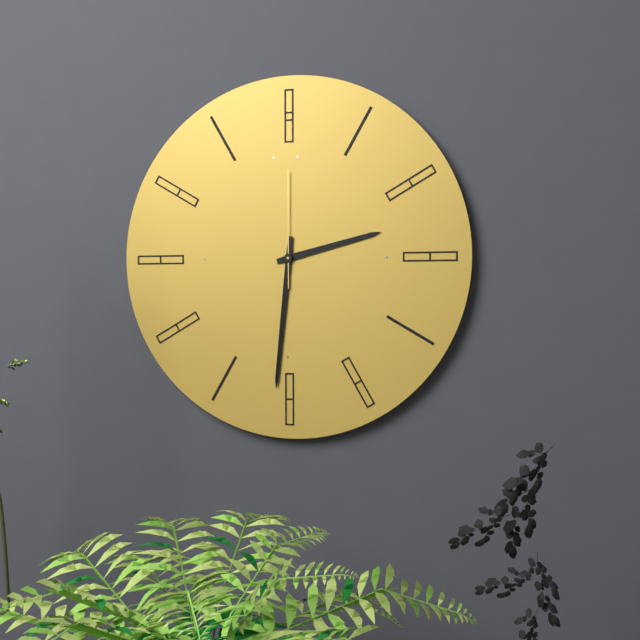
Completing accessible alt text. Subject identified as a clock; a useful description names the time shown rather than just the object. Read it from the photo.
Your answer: 2:31:00
